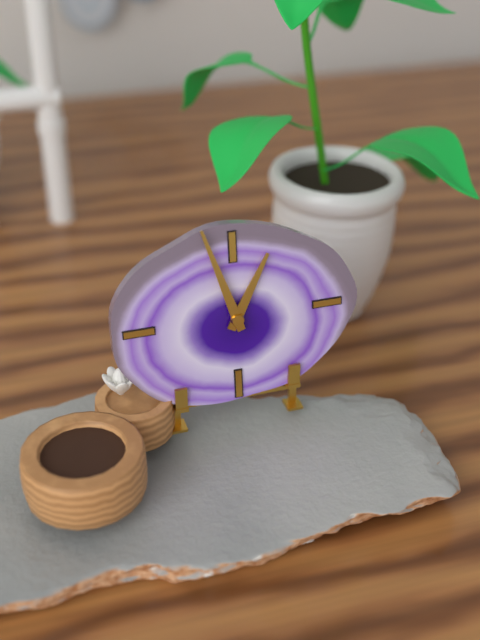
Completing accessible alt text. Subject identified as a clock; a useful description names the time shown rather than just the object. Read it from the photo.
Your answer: 12:57
